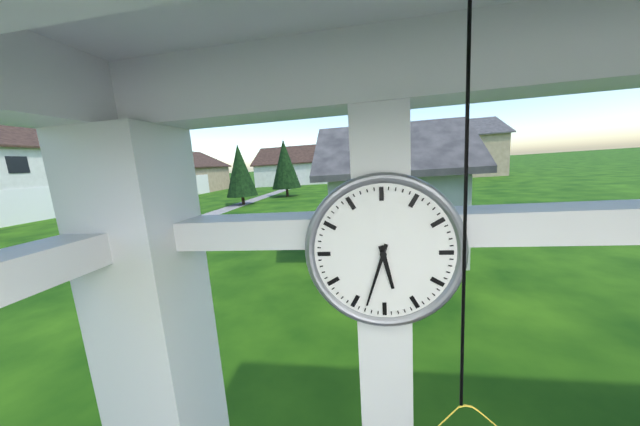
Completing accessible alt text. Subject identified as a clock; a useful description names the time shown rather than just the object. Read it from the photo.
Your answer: 5:33
